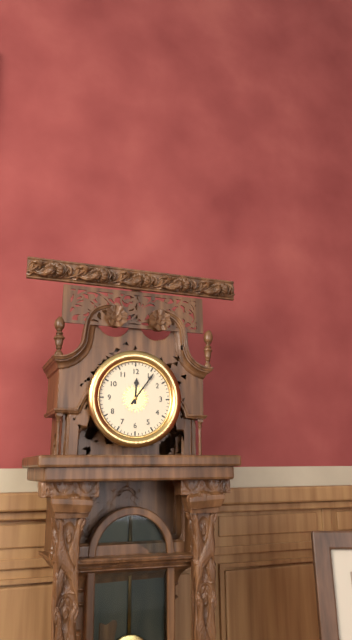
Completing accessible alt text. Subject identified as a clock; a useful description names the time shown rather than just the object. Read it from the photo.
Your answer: 12:06
